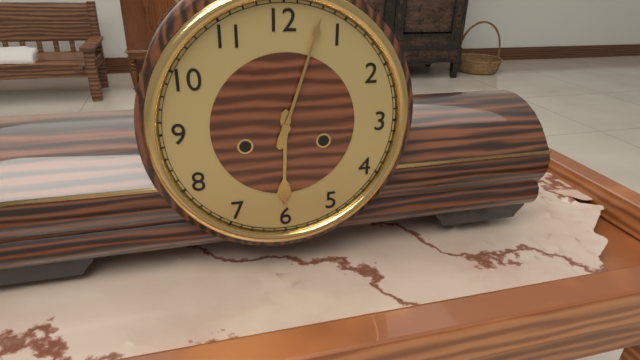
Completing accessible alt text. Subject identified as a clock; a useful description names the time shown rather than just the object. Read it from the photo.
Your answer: 6:03
